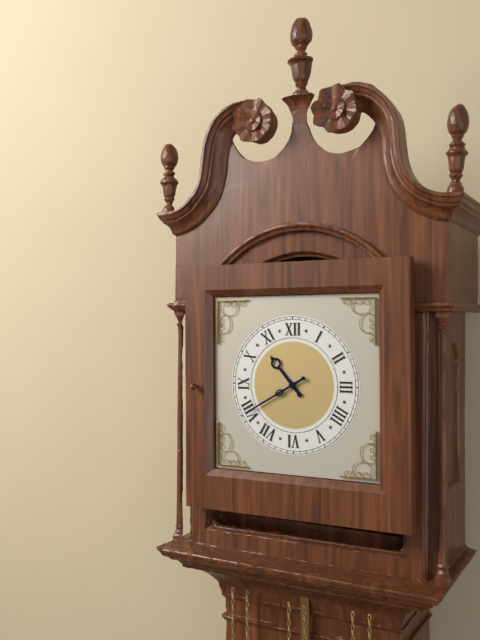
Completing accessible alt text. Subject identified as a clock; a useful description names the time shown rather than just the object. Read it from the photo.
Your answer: 10:40
